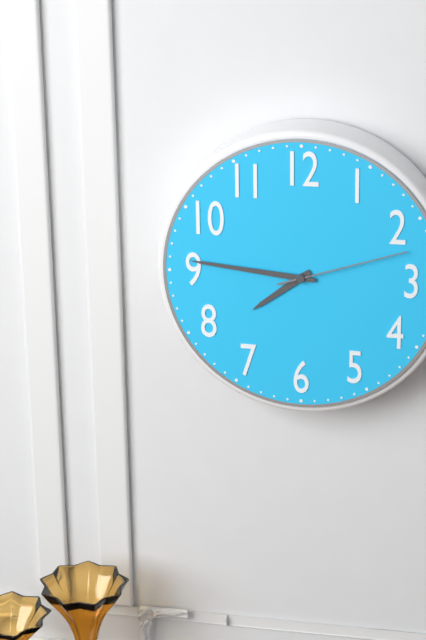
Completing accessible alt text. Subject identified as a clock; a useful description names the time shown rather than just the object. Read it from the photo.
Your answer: 7:46:12
